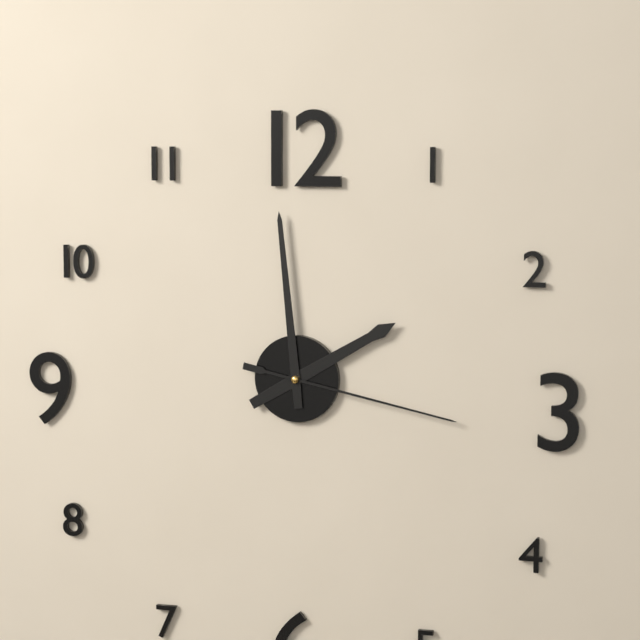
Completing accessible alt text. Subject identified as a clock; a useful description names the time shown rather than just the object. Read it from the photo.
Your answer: 1:59:17
